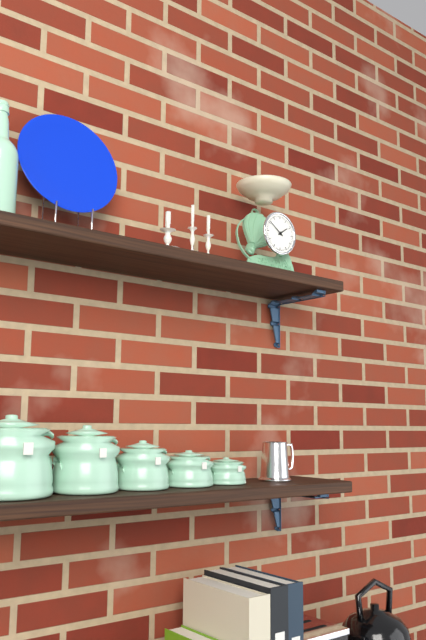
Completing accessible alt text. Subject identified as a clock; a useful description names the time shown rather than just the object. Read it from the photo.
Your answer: 1:51
